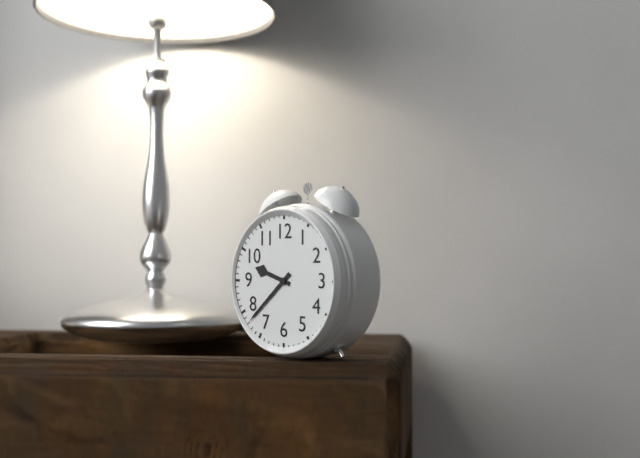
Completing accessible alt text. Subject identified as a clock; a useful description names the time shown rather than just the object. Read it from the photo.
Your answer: 9:38
